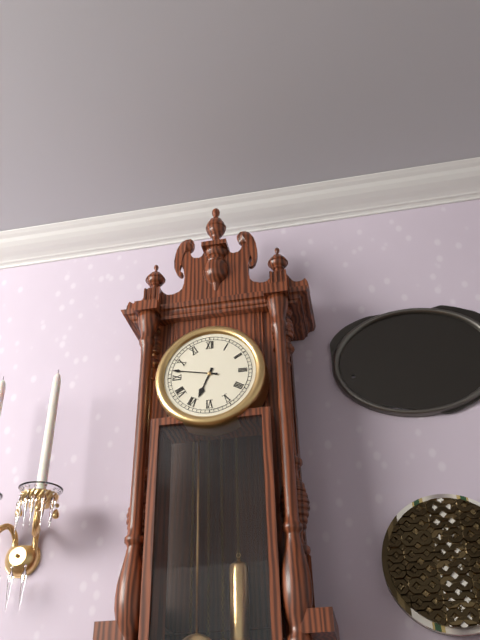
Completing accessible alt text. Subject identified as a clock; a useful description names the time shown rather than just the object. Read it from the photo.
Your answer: 6:47
